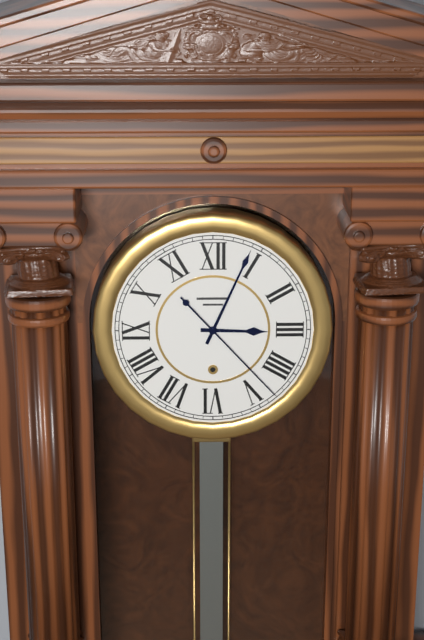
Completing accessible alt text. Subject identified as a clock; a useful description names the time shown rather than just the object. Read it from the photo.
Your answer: 3:04:23
